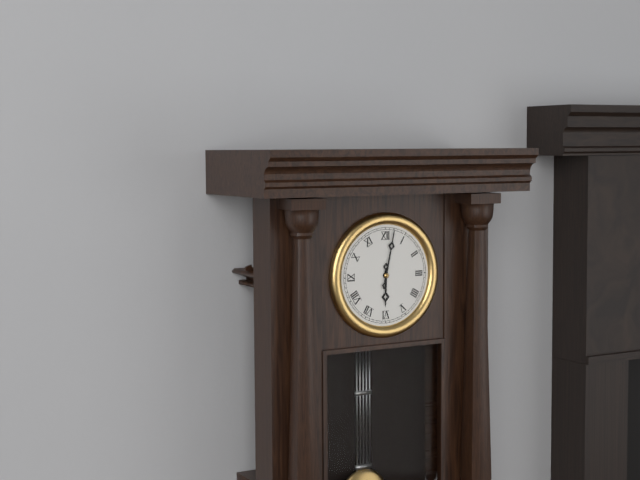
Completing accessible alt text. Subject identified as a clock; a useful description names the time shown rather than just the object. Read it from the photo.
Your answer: 6:02
